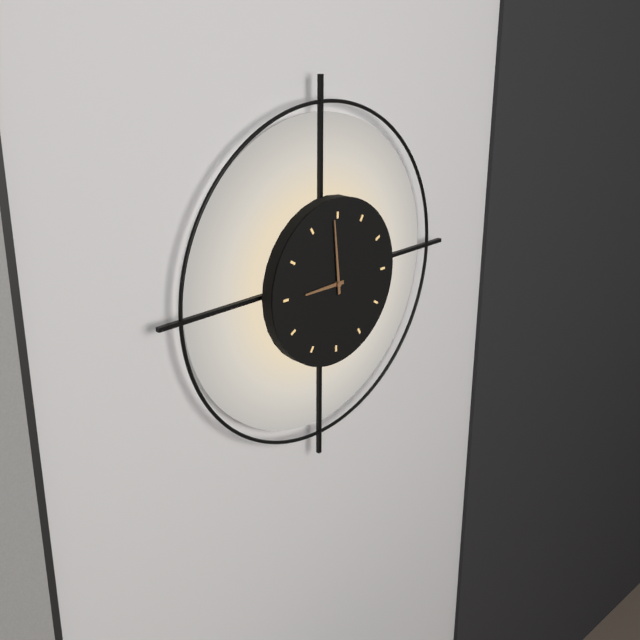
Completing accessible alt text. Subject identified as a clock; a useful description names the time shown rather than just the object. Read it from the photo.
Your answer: 8:59
